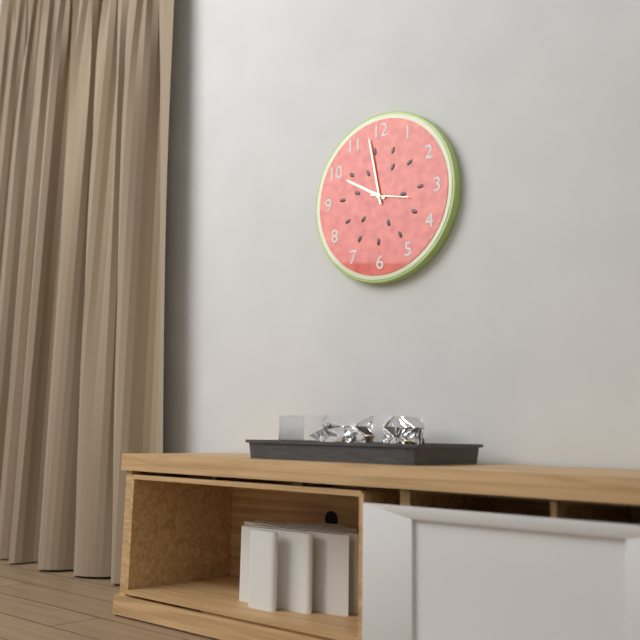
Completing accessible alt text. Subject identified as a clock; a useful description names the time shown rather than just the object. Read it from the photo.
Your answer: 9:58
